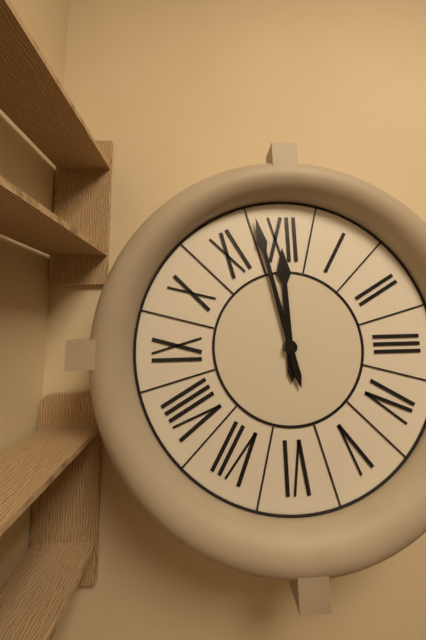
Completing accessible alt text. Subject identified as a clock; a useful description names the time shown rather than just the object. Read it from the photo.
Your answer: 11:58
